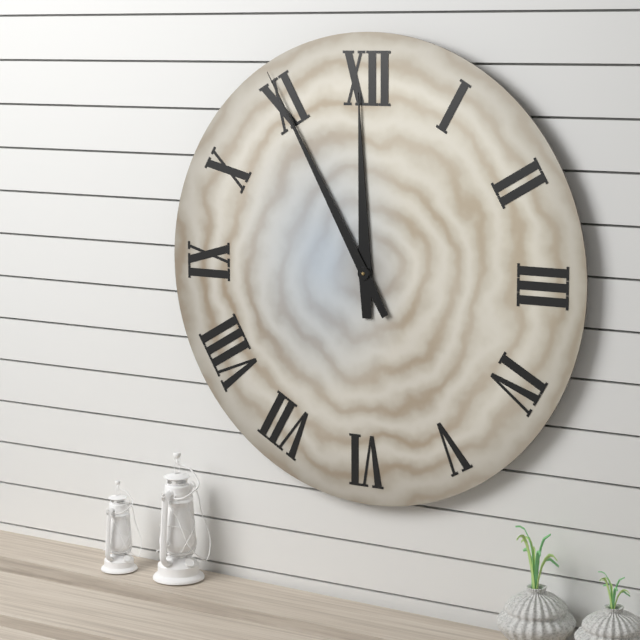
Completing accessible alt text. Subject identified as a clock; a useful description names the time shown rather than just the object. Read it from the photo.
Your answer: 11:55
